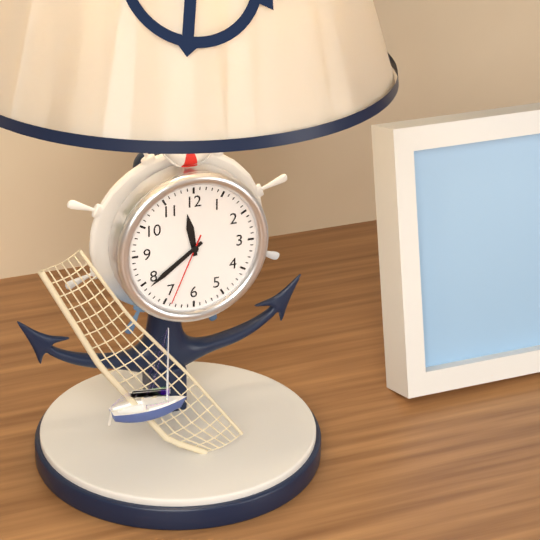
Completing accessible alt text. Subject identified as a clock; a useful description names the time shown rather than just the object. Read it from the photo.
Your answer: 11:39:34
